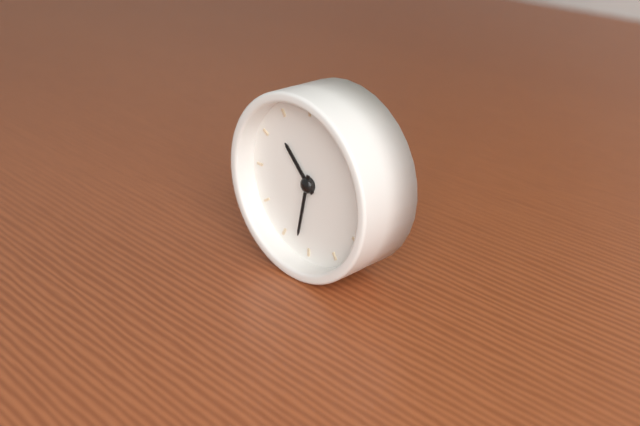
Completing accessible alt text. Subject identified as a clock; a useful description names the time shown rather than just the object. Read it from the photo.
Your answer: 10:32
